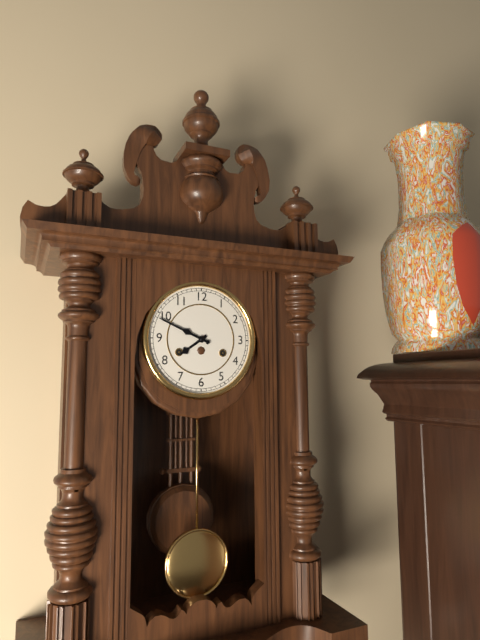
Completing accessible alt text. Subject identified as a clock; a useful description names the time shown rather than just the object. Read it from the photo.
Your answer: 7:49
